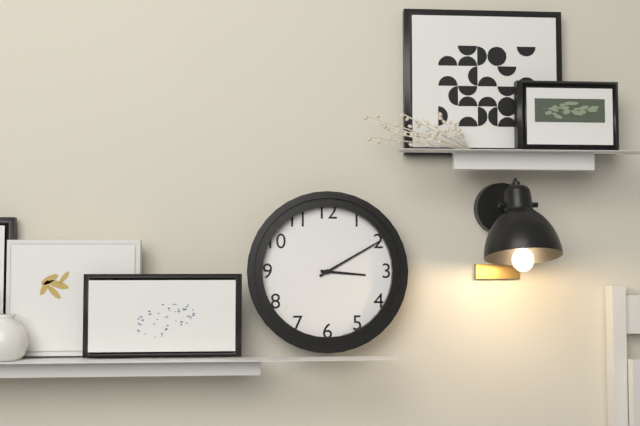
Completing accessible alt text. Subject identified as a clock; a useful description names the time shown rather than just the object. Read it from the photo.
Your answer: 3:10
